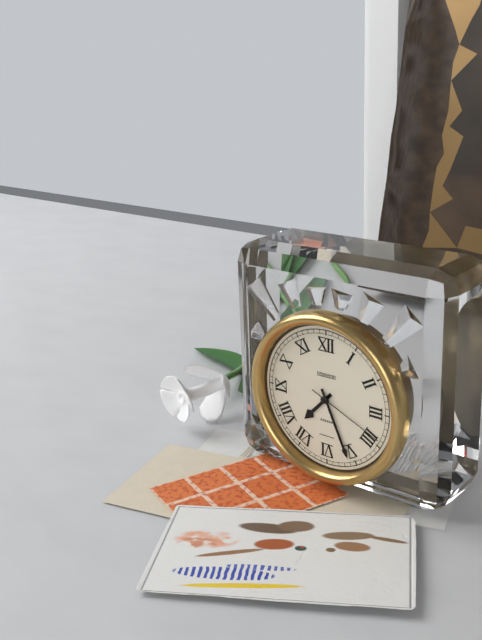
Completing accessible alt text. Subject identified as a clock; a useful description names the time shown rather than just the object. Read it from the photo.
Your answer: 7:26:19
